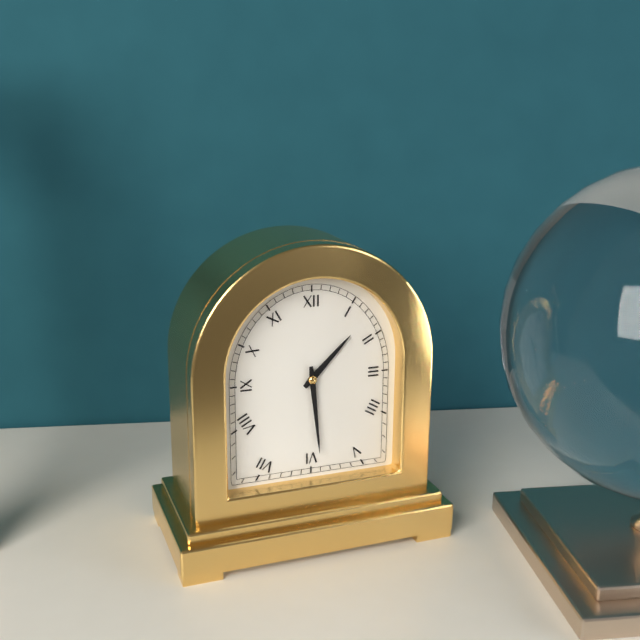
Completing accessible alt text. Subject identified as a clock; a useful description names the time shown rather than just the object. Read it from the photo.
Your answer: 1:29
